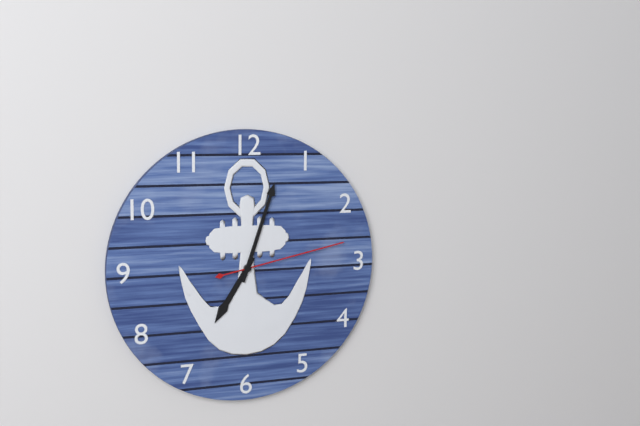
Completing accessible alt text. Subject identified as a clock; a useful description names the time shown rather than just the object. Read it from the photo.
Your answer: 7:03:13
